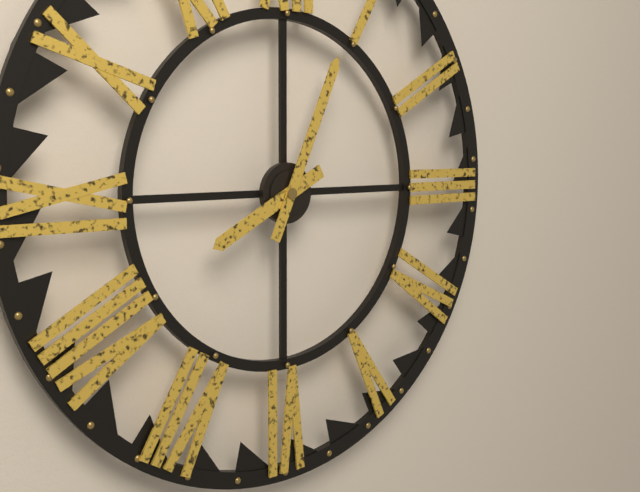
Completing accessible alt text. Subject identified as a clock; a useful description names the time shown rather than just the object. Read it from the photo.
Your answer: 8:04
